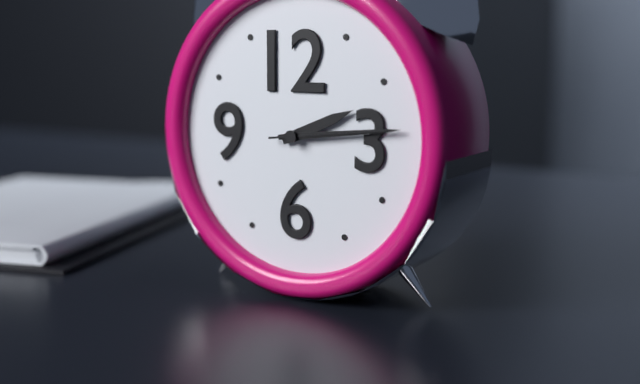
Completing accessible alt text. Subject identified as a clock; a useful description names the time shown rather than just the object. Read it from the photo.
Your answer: 2:14:14
